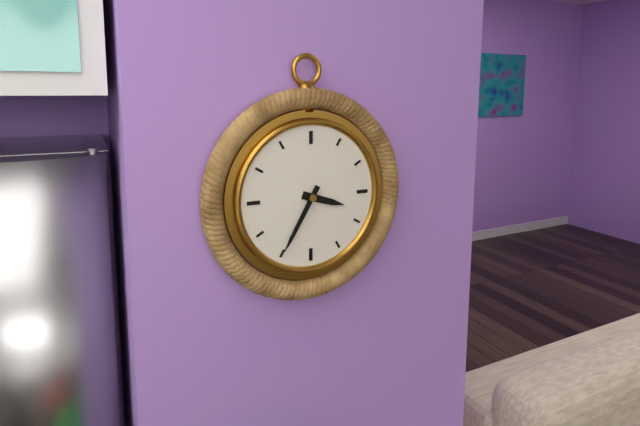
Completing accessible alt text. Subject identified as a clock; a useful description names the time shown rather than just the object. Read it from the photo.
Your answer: 3:35
